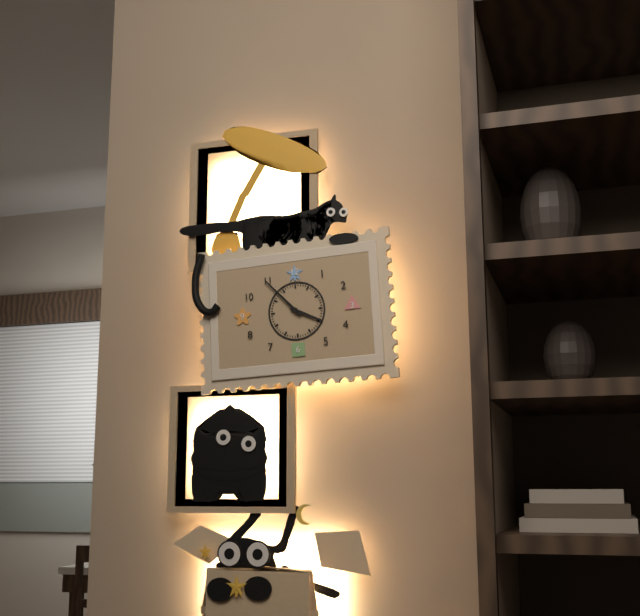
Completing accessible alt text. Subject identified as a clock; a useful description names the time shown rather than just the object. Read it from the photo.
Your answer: 3:53
